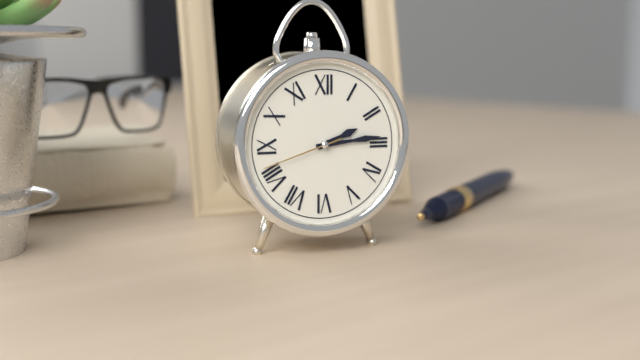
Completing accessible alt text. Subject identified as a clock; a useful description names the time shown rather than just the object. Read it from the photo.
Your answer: 2:14:42
